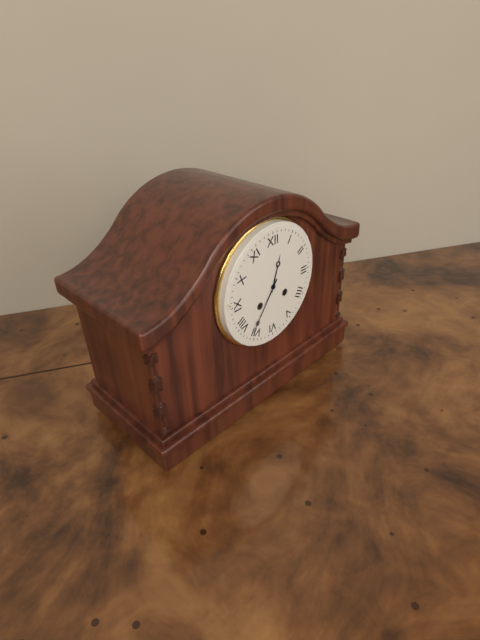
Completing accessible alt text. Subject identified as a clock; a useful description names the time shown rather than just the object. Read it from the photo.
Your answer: 12:36
